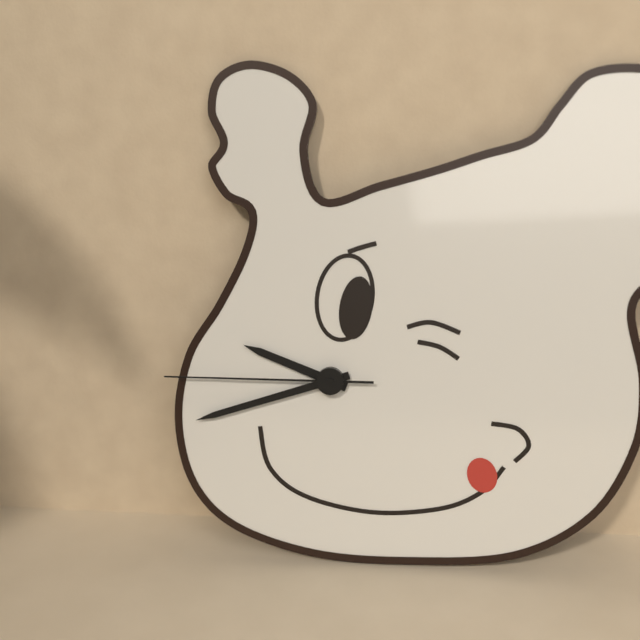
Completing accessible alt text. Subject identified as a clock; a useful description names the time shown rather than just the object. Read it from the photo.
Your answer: 9:42:45
